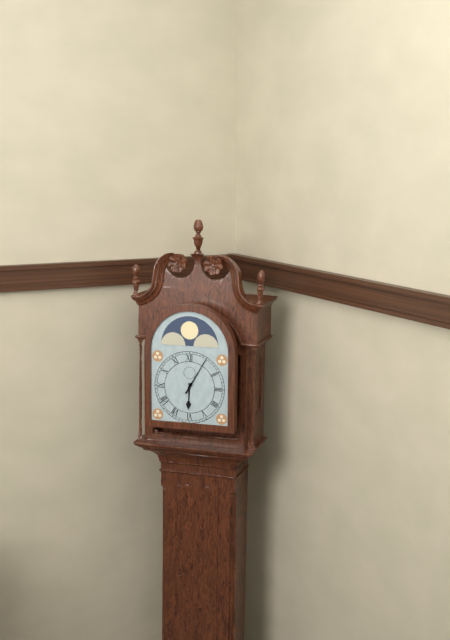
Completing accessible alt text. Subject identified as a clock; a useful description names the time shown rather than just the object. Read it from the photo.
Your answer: 6:05
